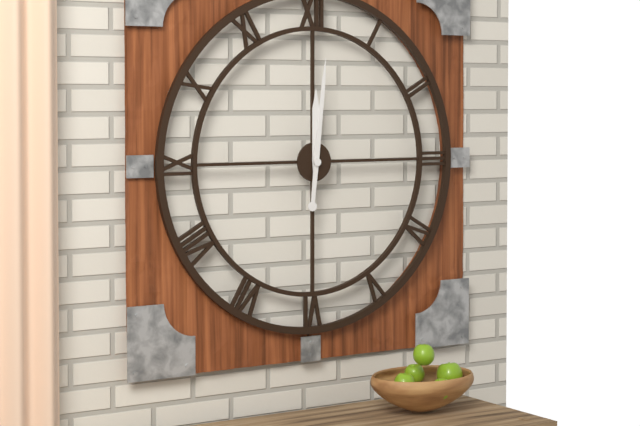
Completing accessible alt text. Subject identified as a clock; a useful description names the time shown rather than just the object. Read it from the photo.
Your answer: 12:01
